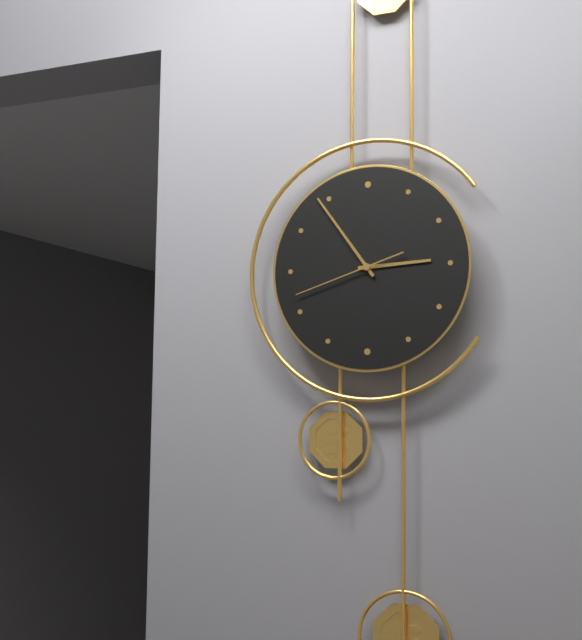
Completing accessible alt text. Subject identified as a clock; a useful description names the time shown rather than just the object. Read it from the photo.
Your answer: 2:54:42
